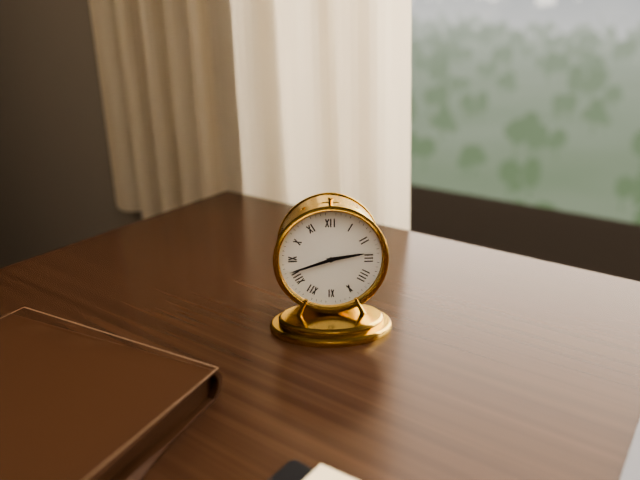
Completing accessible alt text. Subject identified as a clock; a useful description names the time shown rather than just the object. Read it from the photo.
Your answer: 2:42
